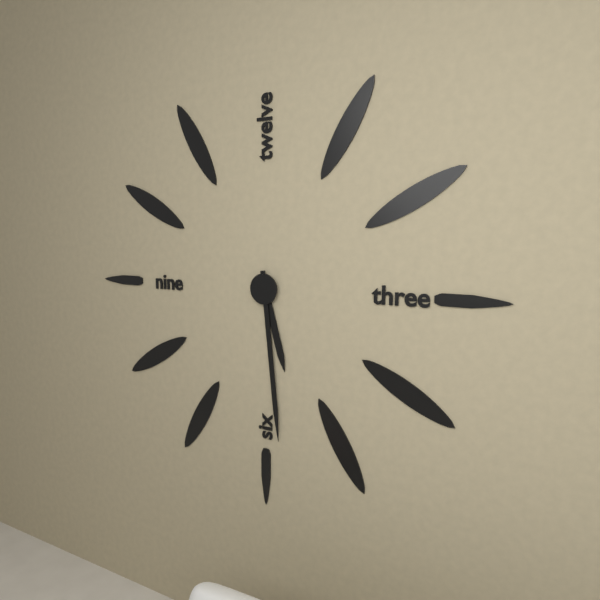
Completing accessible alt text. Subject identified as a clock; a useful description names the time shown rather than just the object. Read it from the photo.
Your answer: 5:29
